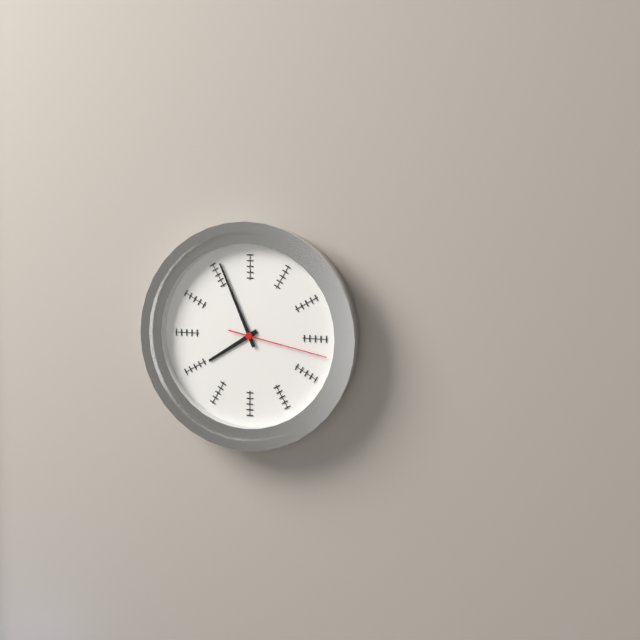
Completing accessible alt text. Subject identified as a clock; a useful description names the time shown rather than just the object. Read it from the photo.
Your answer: 7:56:17
